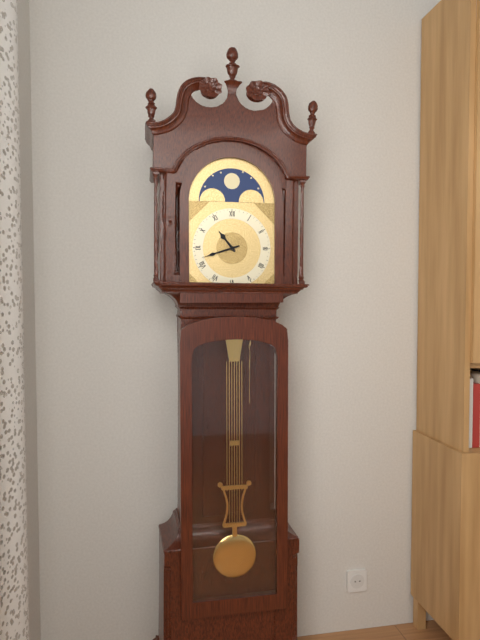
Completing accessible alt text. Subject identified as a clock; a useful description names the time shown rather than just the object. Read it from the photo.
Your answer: 10:42
